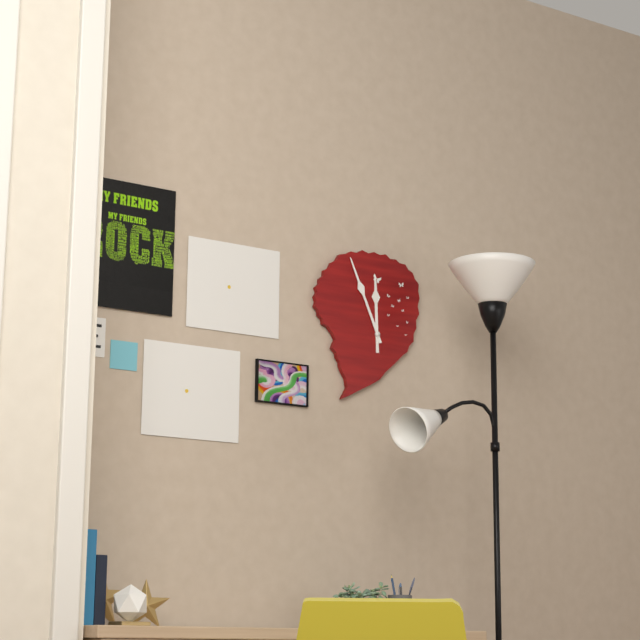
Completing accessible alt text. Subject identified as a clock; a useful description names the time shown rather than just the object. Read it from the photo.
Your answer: 11:56
